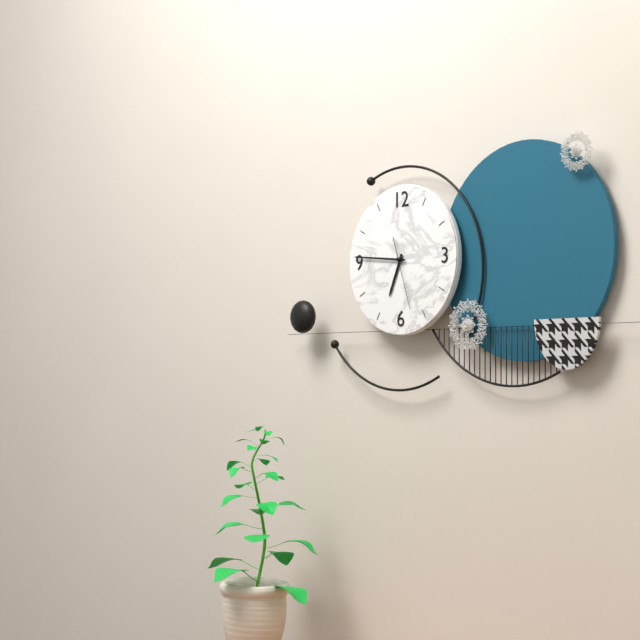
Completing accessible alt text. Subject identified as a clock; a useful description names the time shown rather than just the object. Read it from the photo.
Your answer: 6:46:27
